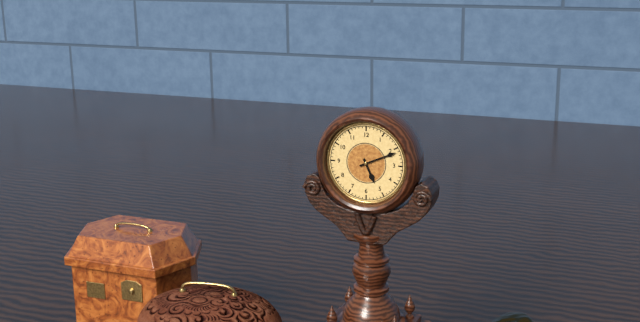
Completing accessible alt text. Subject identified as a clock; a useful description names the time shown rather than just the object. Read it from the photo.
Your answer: 5:11
